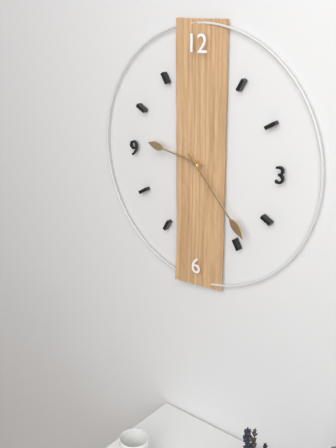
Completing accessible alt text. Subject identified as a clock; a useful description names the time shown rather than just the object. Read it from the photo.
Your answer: 9:23
